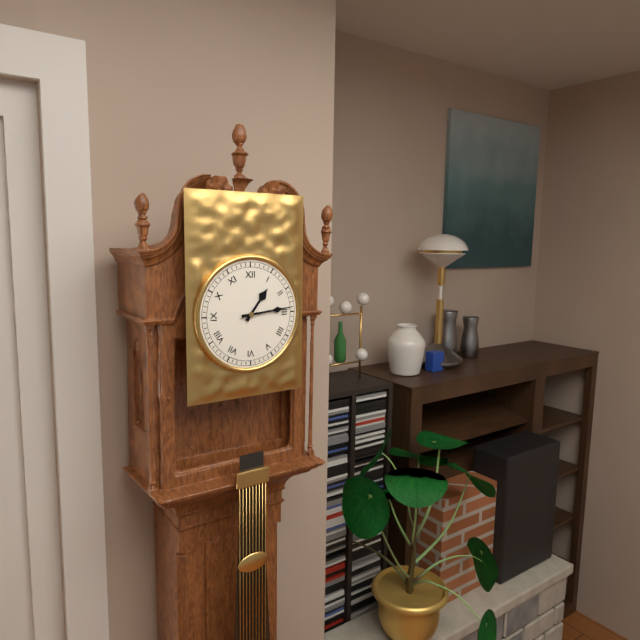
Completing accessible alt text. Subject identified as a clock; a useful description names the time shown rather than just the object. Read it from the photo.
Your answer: 1:14
